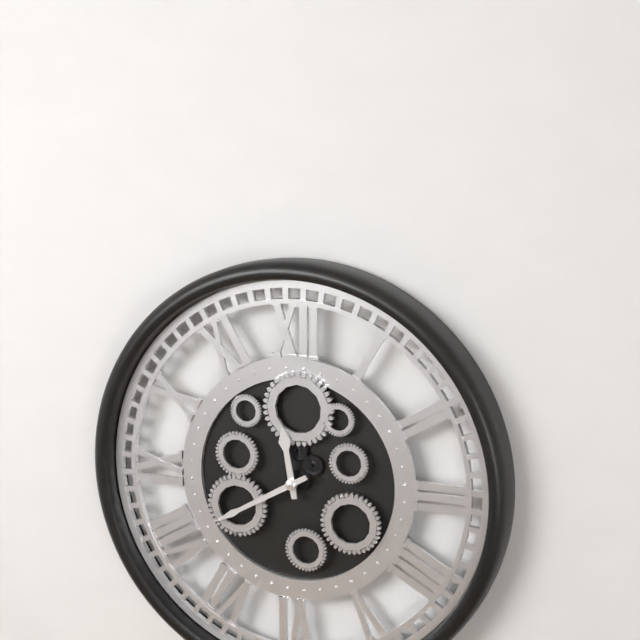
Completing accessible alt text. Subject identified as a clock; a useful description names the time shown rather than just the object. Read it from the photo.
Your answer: 11:40
